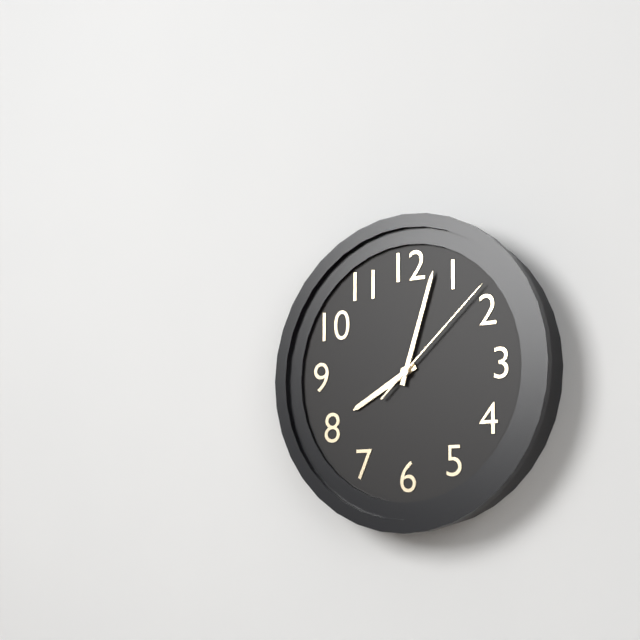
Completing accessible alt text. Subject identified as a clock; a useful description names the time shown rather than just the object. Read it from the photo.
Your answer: 8:03:08
